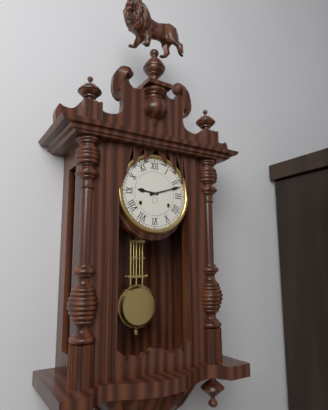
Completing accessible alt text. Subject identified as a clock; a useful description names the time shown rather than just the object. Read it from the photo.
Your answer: 9:12
